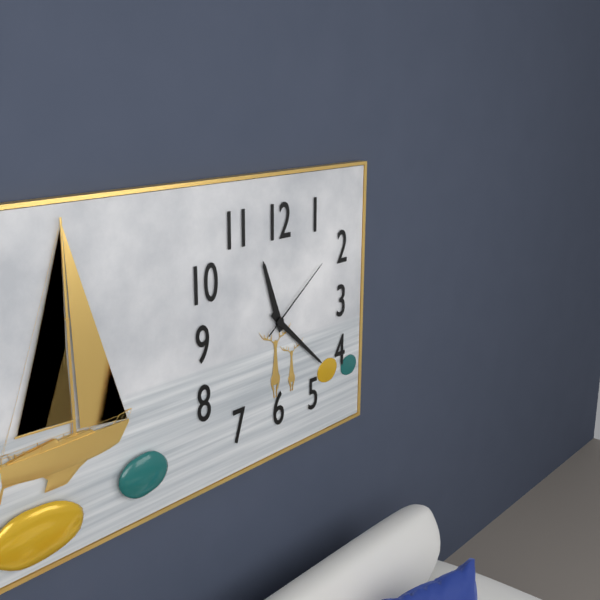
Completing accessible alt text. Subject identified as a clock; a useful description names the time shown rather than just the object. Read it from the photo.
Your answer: 11:22:09
